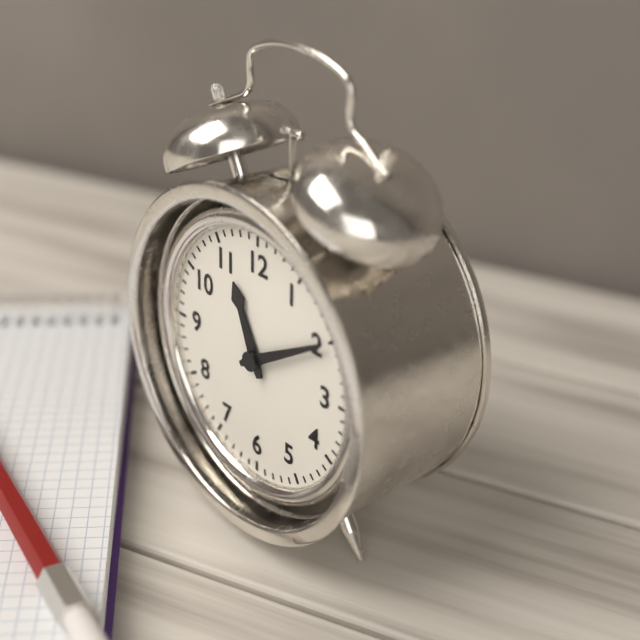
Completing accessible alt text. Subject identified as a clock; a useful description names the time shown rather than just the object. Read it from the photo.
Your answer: 11:10
